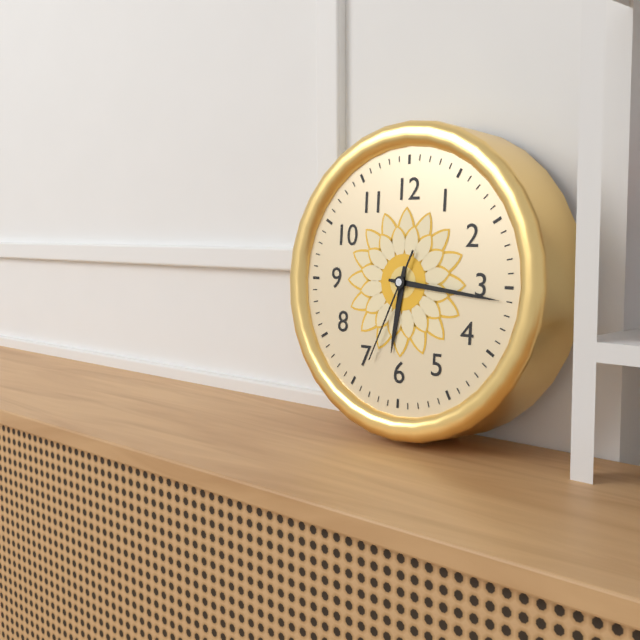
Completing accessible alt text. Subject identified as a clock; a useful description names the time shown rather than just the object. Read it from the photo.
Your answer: 6:16:34
